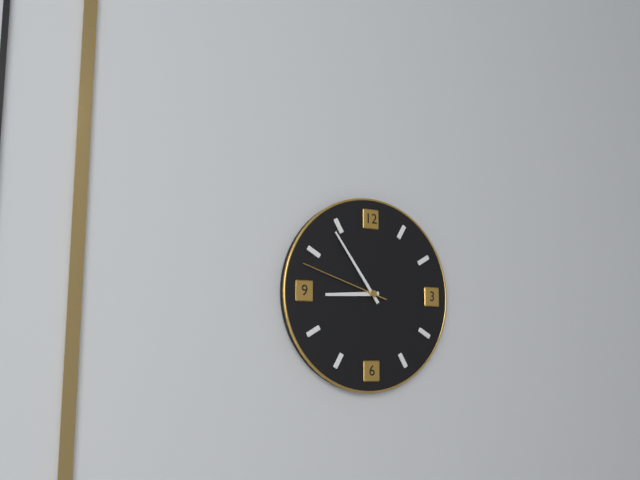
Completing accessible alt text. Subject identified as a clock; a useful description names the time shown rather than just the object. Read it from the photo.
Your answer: 8:54:48
